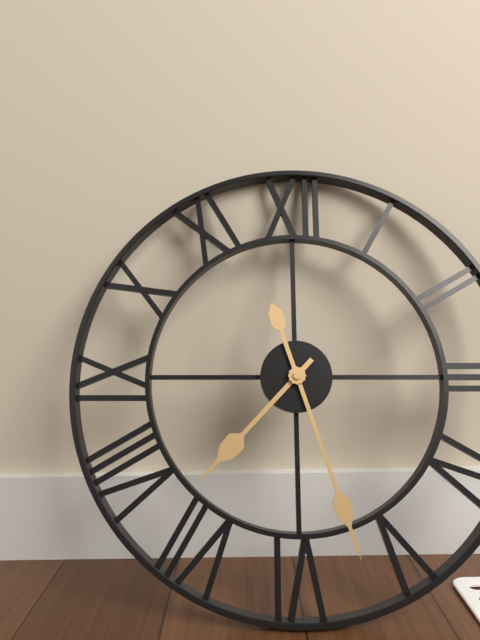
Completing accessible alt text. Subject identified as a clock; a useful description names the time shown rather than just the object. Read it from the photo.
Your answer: 7:27
